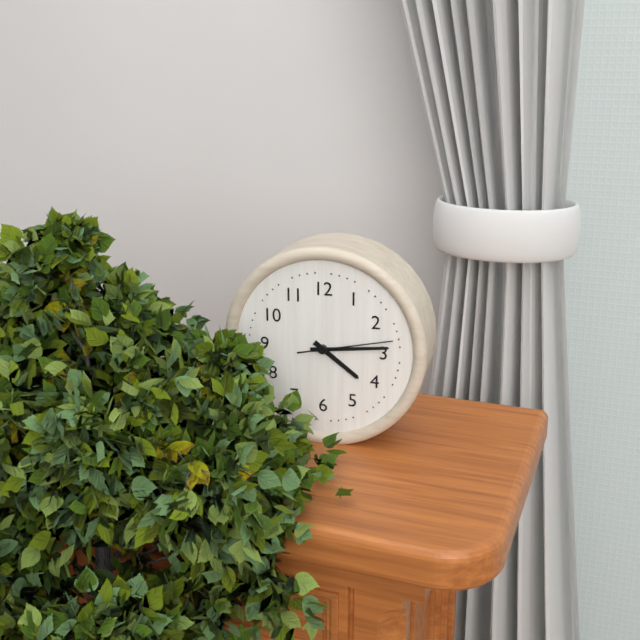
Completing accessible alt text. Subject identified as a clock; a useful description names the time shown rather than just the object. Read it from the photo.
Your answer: 4:14:13
